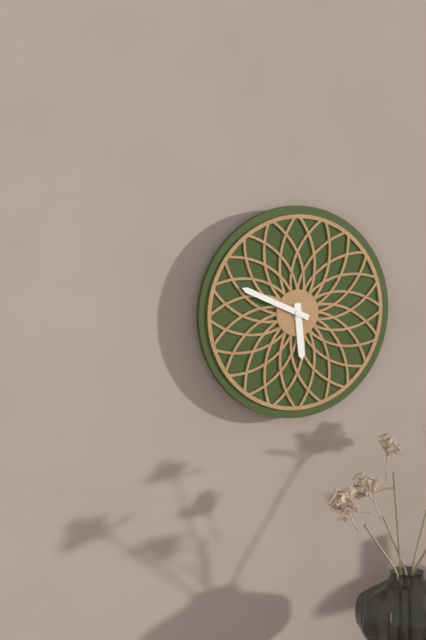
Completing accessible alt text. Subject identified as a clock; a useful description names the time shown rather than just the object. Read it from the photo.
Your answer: 5:49
